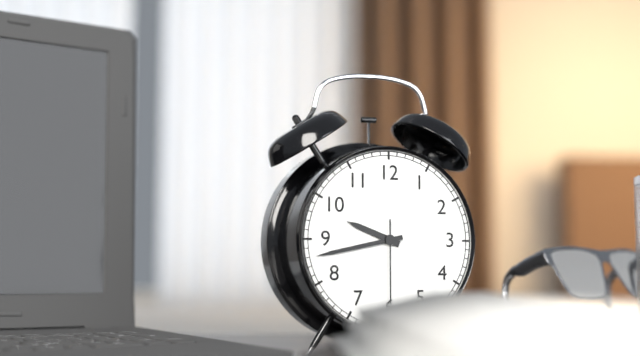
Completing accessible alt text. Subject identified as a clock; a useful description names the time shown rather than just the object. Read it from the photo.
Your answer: 9:43:30
